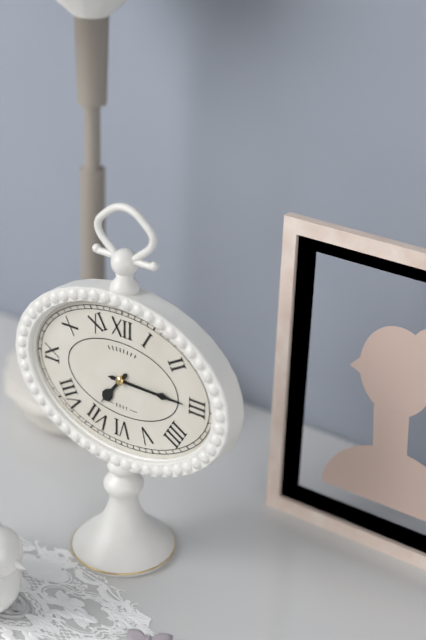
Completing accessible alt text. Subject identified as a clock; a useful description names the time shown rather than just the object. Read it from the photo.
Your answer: 7:15
